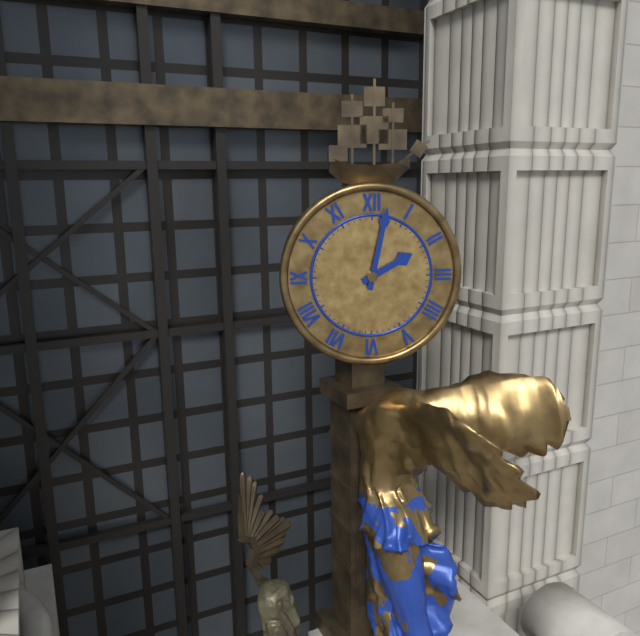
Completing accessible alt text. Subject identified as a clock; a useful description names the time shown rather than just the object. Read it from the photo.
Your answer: 2:02
